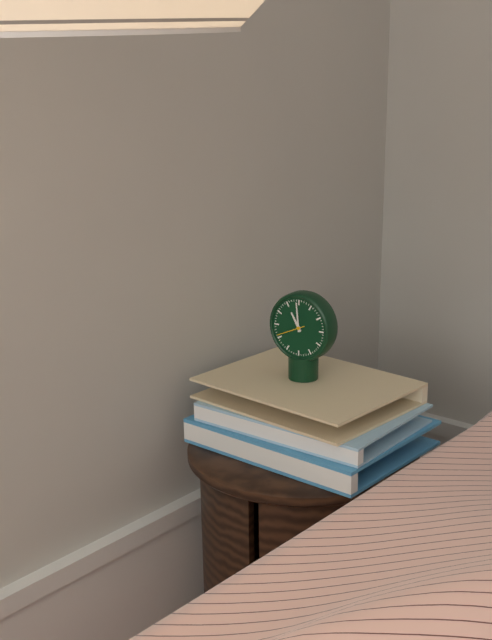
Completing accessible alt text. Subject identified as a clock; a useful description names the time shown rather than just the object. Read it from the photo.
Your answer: 10:59
